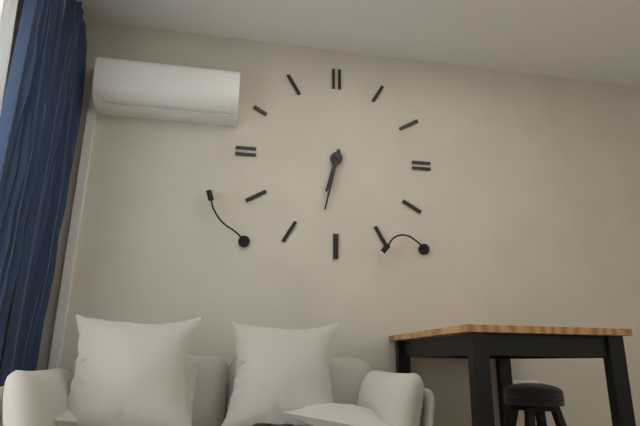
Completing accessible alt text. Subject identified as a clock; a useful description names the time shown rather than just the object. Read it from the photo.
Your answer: 6:32
